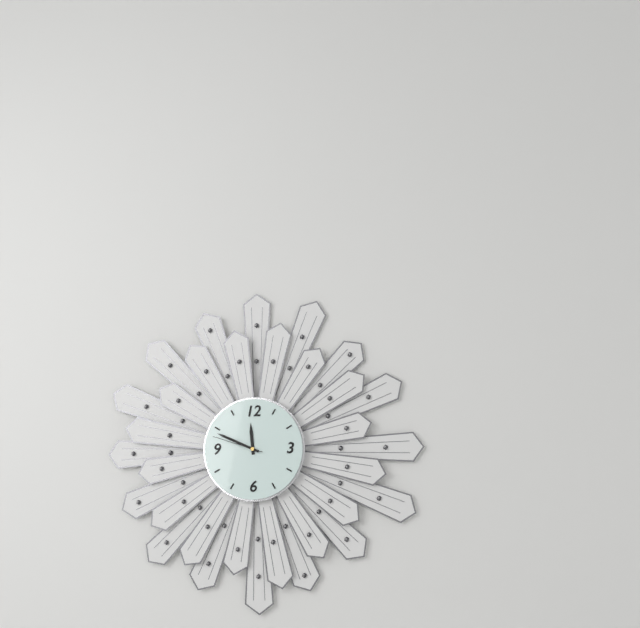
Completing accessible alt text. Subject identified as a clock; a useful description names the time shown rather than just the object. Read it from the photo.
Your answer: 11:49:48
